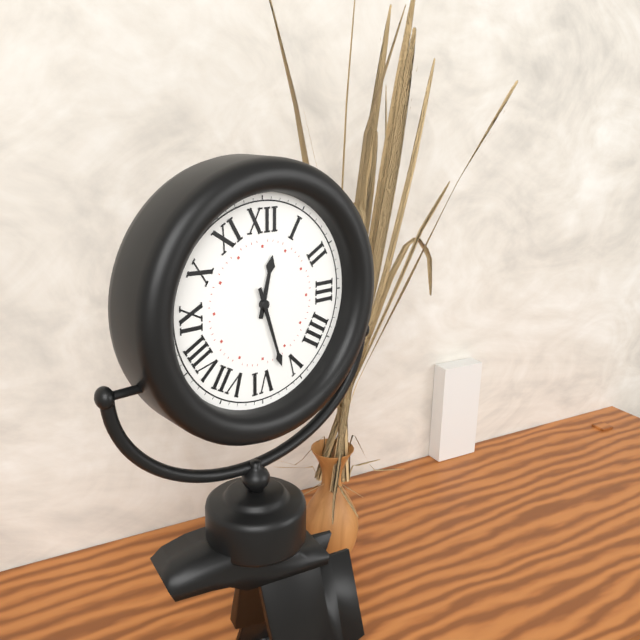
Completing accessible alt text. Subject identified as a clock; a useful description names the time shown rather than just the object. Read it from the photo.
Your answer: 12:27
